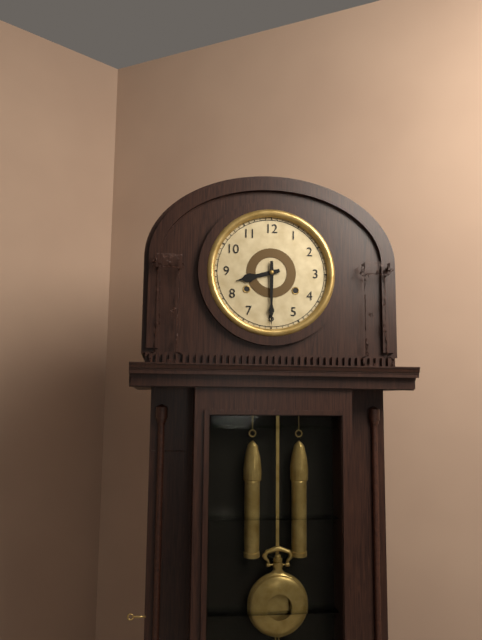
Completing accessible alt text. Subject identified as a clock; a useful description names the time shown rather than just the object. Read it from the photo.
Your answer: 8:30
